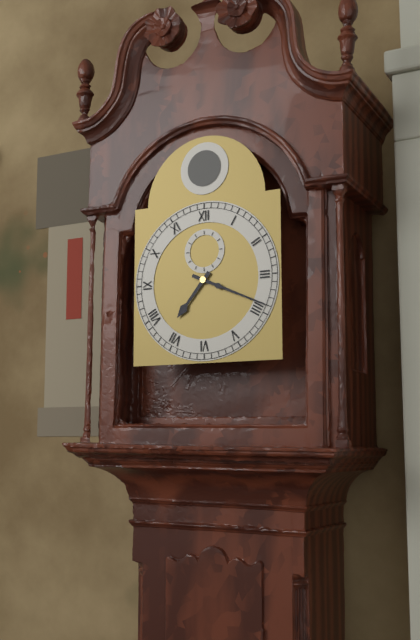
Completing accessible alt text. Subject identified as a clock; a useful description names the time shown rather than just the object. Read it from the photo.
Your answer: 7:19
